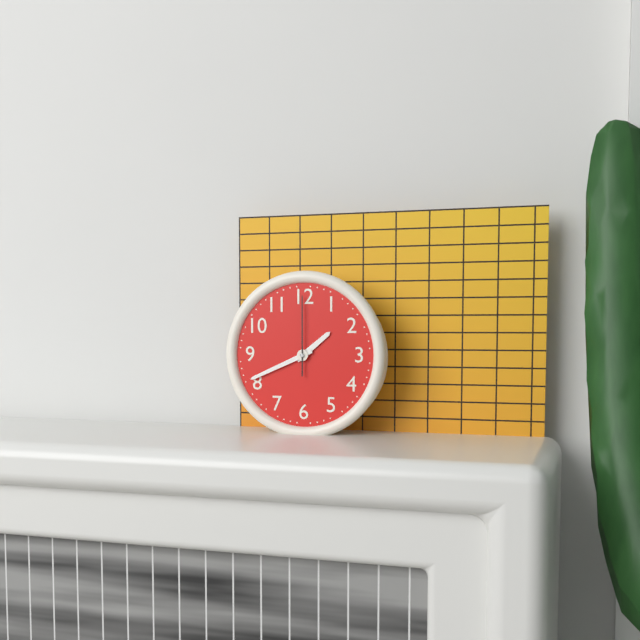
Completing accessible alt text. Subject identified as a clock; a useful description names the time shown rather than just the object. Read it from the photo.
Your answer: 1:41:00
